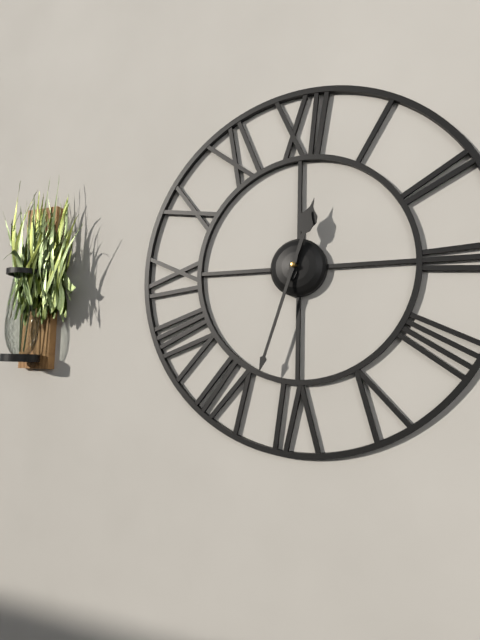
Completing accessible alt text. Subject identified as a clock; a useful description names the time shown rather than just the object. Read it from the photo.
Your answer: 12:33
